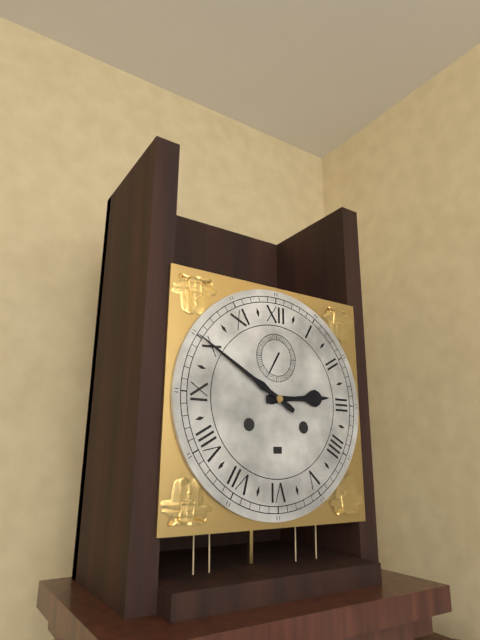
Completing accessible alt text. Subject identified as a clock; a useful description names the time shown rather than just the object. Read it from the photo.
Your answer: 2:50
